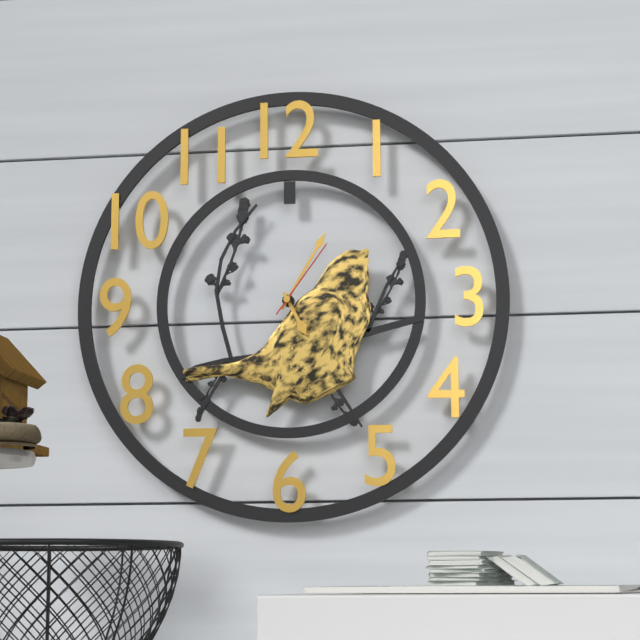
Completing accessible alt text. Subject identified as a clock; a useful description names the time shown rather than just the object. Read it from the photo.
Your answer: 5:05:06
